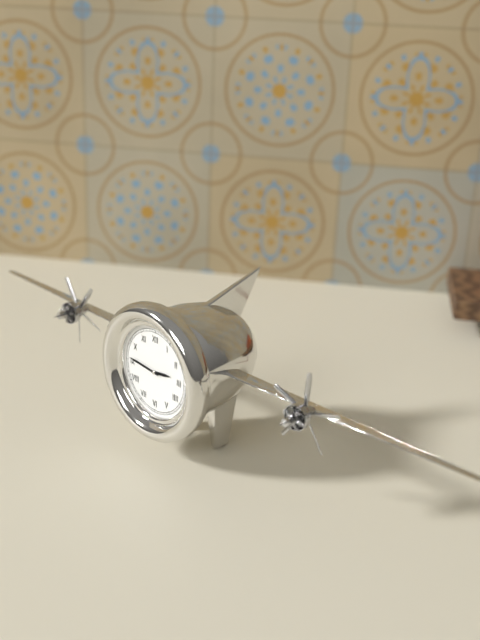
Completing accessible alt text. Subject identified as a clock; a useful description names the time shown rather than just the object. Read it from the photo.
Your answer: 2:46
